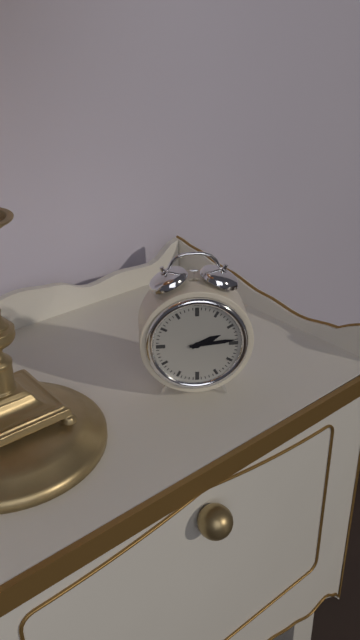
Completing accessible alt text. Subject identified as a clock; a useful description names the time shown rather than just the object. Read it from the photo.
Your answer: 2:14
